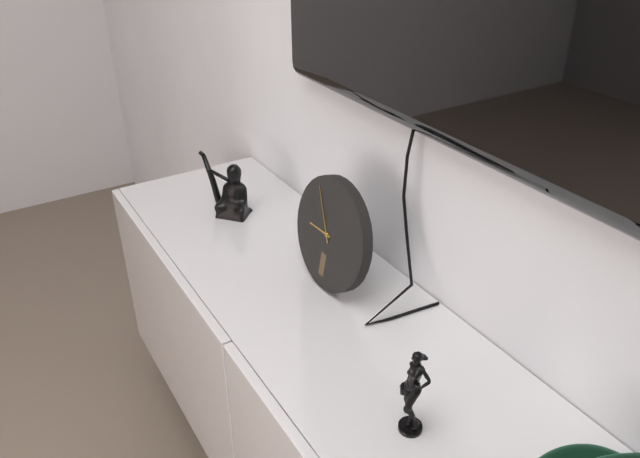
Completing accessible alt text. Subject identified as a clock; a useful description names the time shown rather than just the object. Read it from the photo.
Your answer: 8:55
